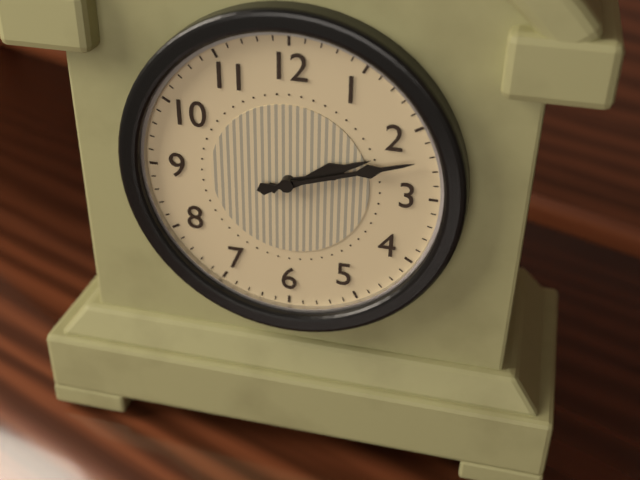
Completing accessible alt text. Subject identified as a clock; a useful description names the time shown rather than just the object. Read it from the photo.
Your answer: 2:12
